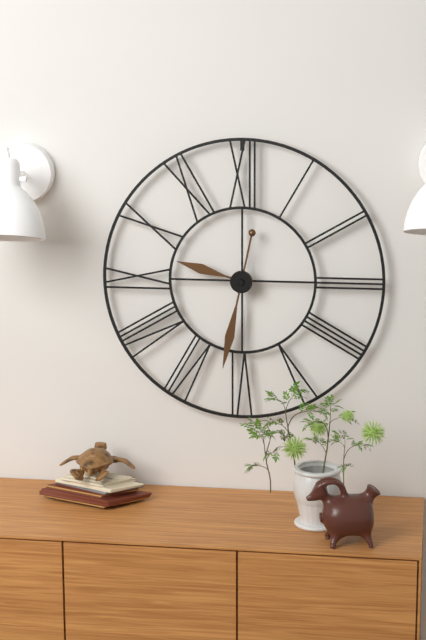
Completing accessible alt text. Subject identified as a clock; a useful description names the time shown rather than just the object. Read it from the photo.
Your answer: 9:32
